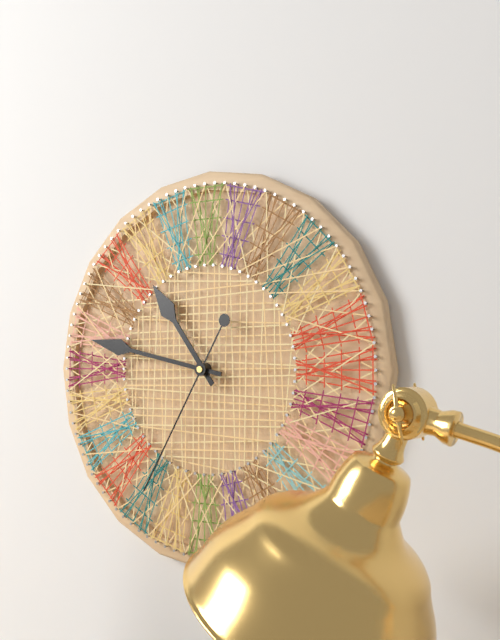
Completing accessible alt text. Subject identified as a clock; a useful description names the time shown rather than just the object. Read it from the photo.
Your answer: 10:47:35
